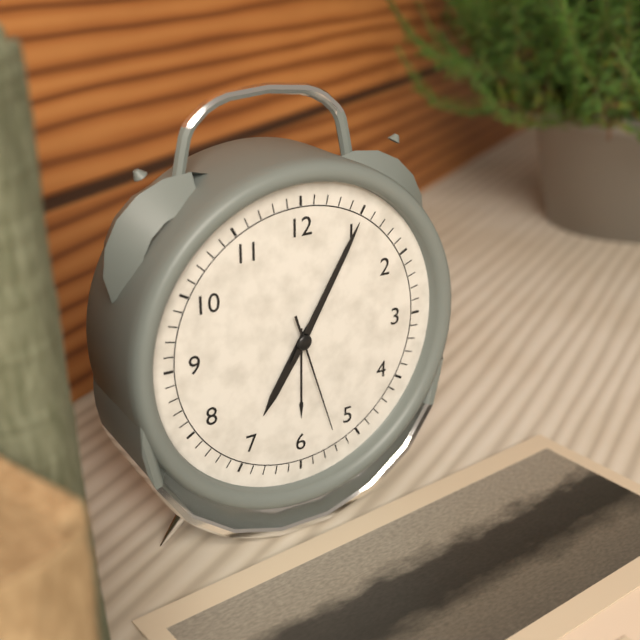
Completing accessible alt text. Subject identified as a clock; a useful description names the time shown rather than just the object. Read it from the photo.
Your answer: 7:05:27
